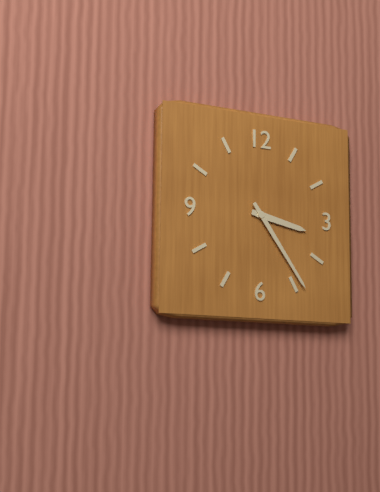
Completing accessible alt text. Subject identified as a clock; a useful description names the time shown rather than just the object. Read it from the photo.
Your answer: 3:24
